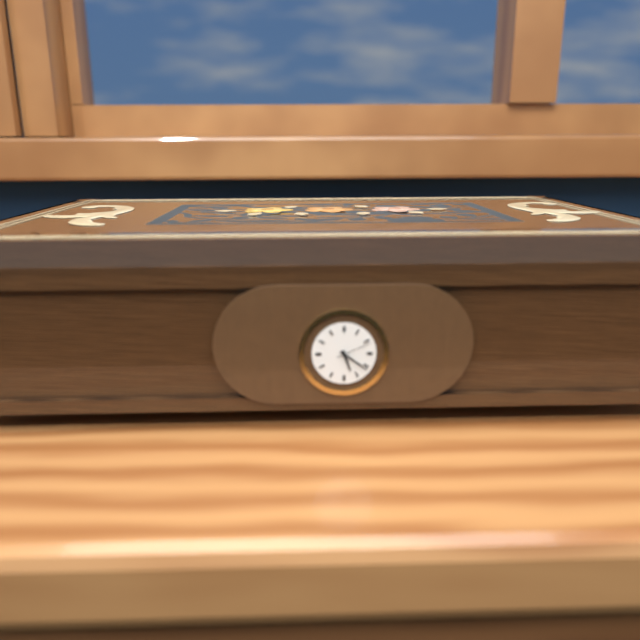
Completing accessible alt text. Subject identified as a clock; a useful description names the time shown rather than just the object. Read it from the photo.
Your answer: 5:21:11
